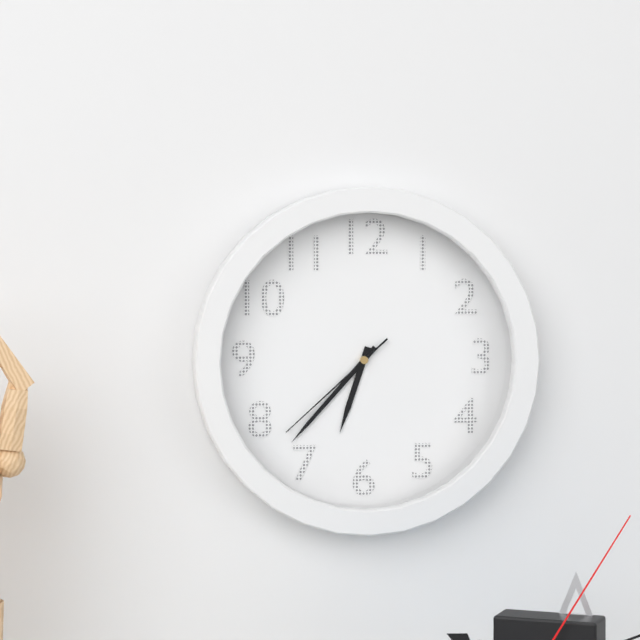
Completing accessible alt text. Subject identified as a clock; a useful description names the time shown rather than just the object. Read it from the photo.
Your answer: 6:37:38
